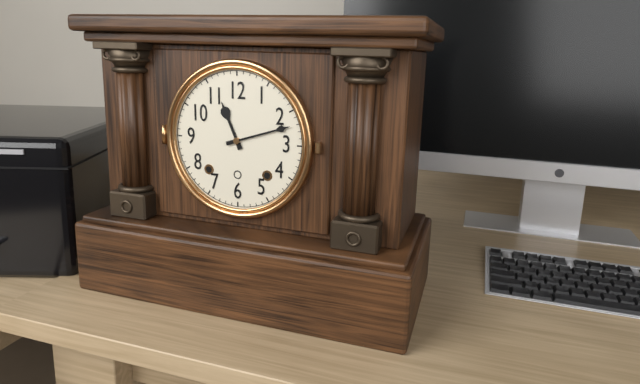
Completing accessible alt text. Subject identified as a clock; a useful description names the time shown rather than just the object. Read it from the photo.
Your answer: 11:12
